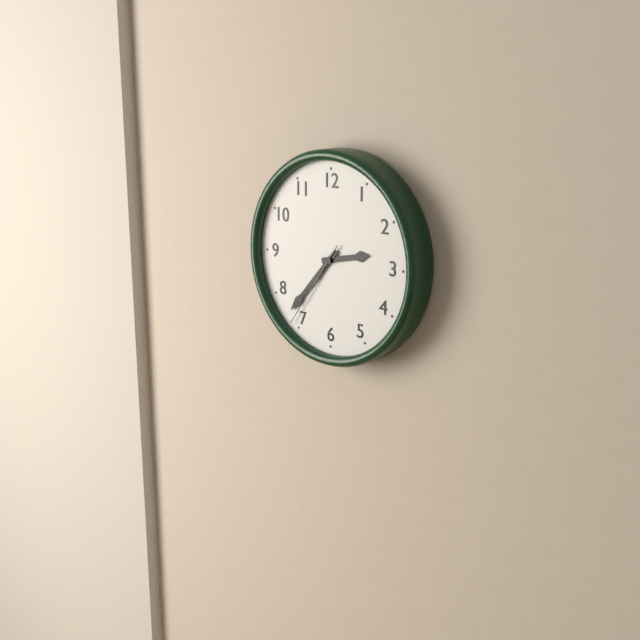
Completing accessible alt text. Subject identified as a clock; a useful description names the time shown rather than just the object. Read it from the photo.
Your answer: 2:37:36
